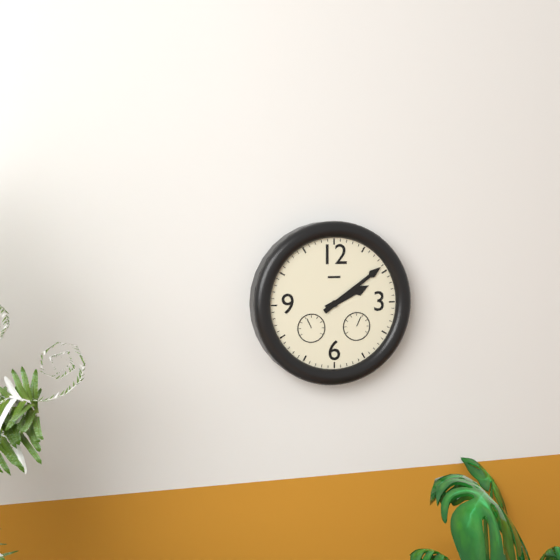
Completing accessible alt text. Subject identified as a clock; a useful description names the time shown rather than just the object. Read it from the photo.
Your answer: 2:09
